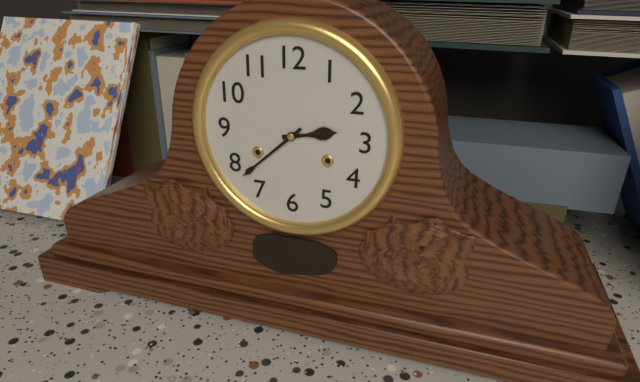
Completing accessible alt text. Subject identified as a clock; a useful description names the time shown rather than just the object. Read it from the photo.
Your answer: 2:38
